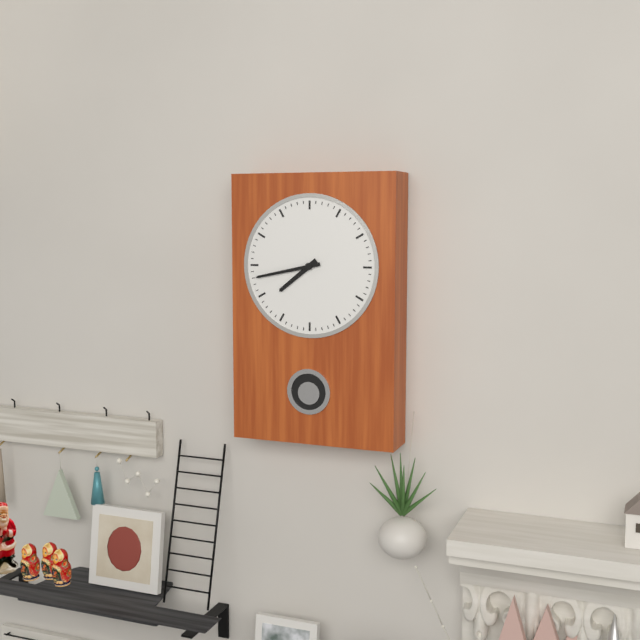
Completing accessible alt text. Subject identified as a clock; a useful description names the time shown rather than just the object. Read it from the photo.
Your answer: 7:43
